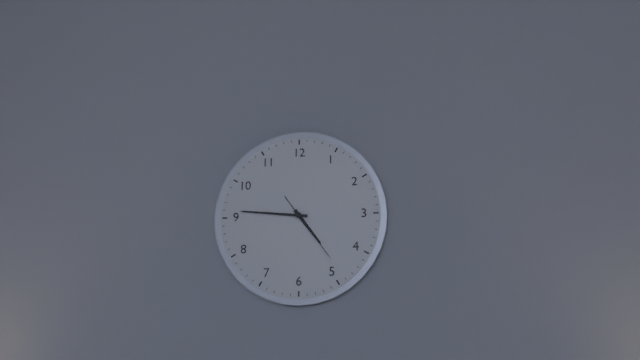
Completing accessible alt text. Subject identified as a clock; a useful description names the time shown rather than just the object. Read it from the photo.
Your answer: 4:46:24
